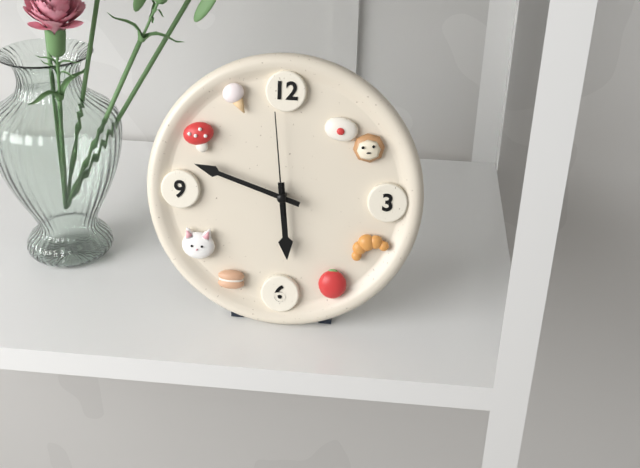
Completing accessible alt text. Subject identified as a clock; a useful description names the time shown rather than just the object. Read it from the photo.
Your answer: 5:48:59
